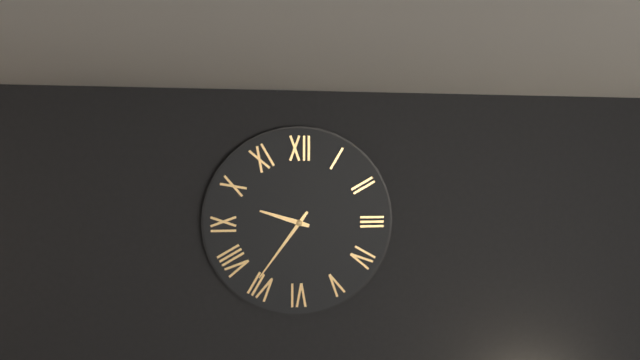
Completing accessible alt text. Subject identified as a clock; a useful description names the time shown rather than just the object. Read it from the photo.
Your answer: 9:36
